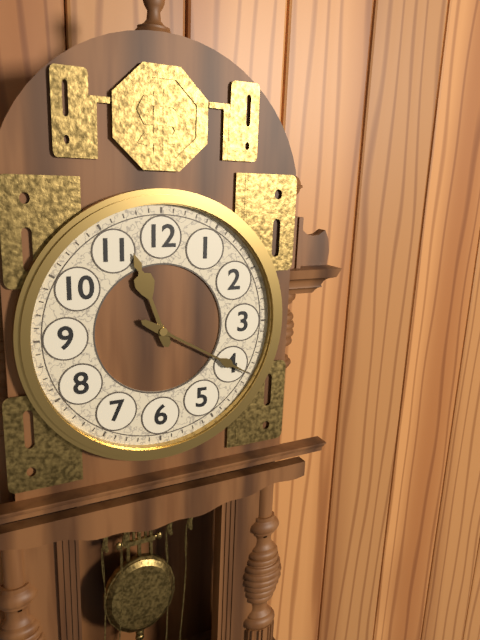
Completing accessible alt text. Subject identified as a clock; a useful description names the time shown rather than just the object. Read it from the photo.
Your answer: 11:20
